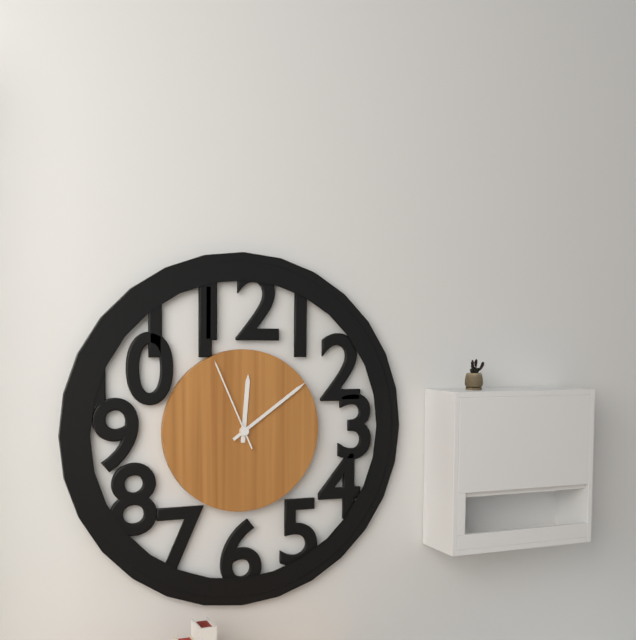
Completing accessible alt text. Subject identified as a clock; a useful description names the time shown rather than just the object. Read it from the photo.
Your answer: 12:09:56
